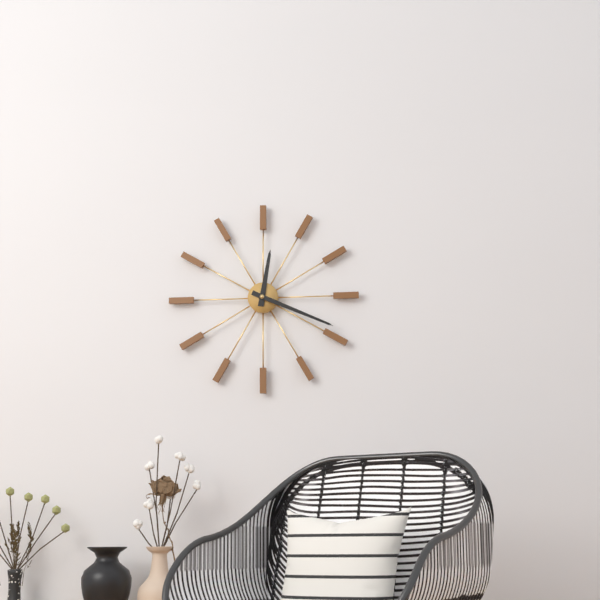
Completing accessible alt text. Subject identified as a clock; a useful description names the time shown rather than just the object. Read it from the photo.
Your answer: 12:19
